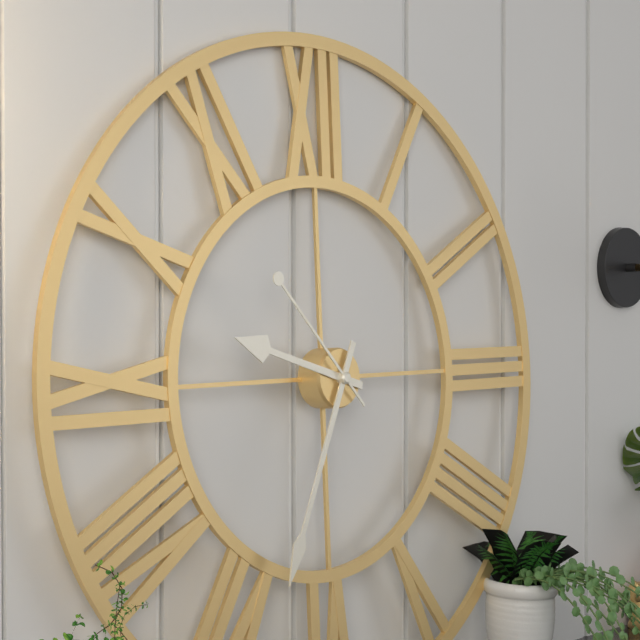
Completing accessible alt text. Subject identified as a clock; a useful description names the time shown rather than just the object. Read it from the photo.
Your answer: 9:34:53
